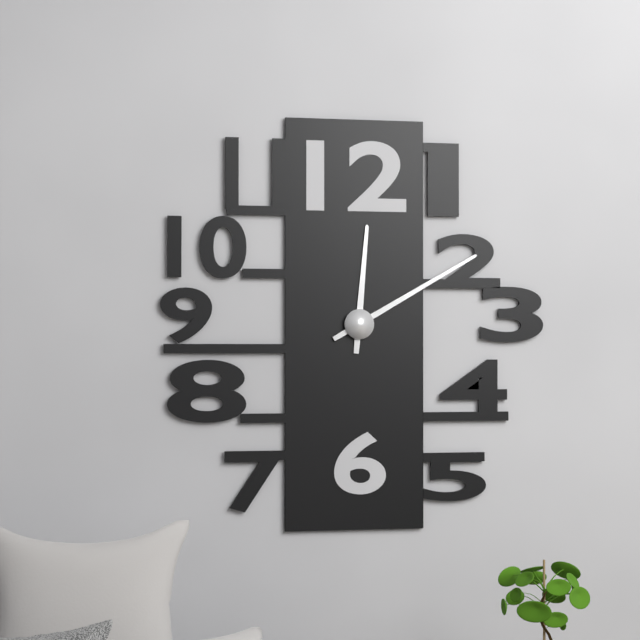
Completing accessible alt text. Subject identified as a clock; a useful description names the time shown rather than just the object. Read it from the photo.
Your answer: 12:10
